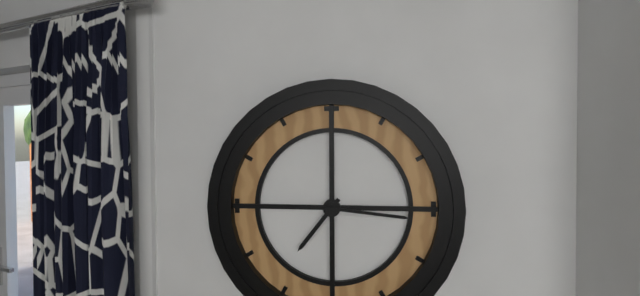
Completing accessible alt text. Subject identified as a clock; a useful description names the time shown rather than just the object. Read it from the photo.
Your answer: 7:16
